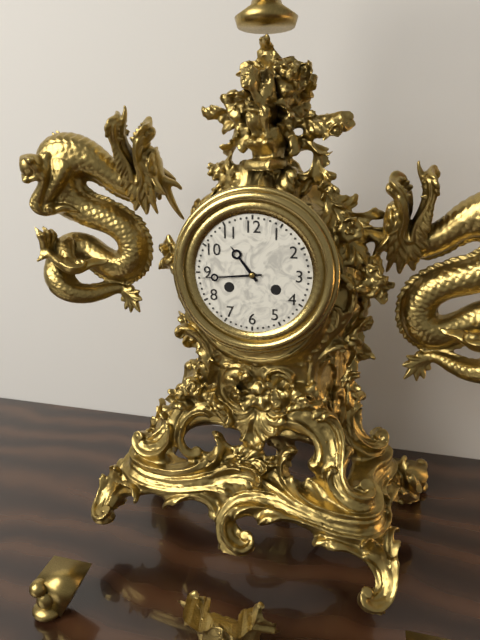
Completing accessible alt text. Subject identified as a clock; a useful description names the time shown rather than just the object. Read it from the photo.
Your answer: 10:44
